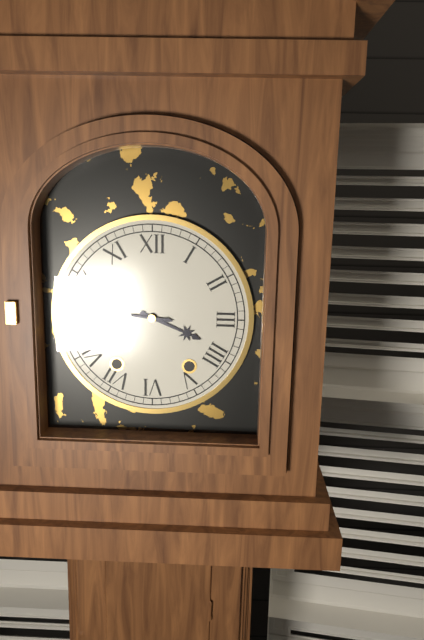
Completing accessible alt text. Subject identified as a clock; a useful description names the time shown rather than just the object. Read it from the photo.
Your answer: 3:46
